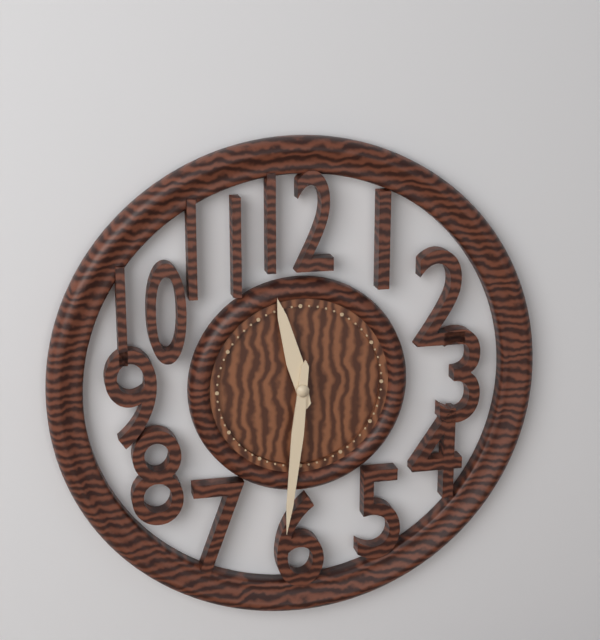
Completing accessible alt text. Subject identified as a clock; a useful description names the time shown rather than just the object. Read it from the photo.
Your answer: 11:31
